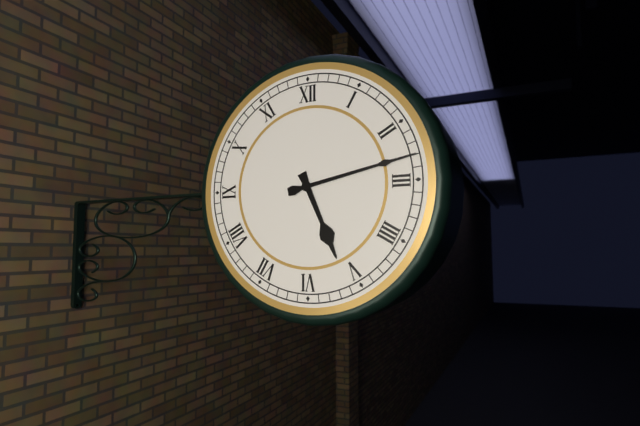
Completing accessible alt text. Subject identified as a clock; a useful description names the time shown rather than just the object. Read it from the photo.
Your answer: 5:13
